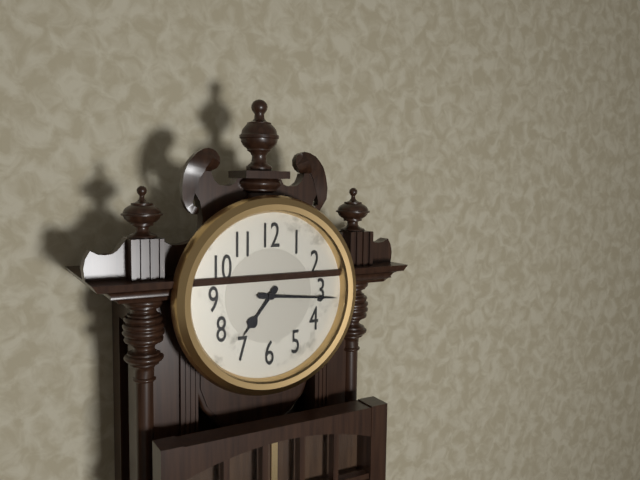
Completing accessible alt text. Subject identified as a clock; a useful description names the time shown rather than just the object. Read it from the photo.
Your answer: 7:16
